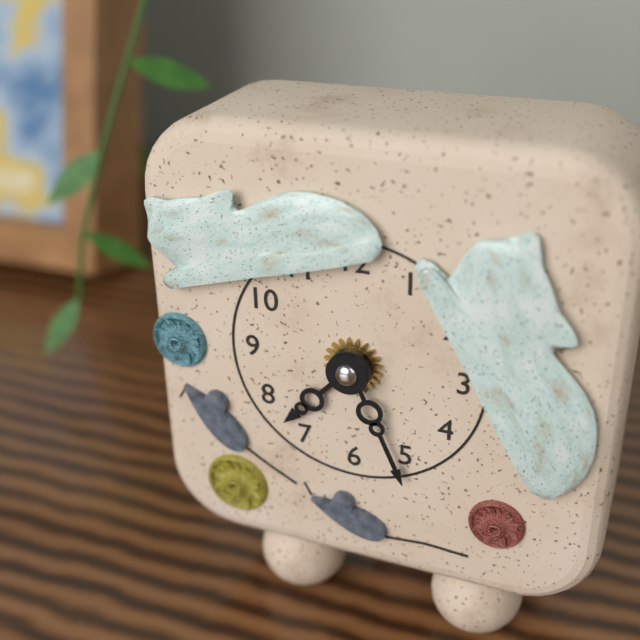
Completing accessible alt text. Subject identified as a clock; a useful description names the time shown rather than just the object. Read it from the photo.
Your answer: 7:26
